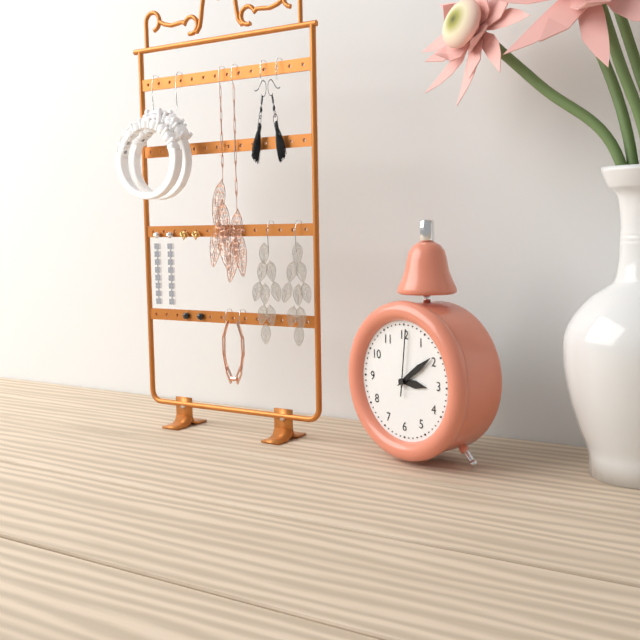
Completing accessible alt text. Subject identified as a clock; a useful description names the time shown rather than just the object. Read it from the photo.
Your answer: 3:09:01
